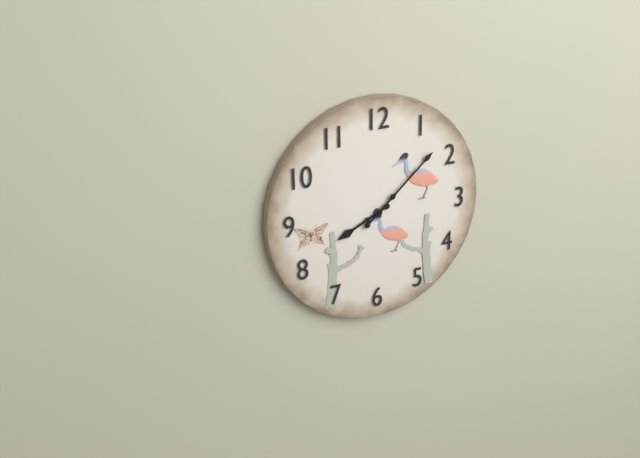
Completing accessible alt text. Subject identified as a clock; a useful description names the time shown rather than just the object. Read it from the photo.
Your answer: 8:08
